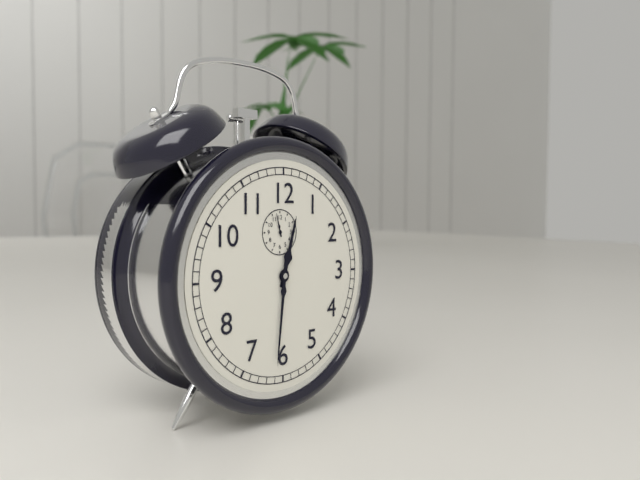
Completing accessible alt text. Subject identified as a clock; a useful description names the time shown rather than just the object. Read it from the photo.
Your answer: 12:31
